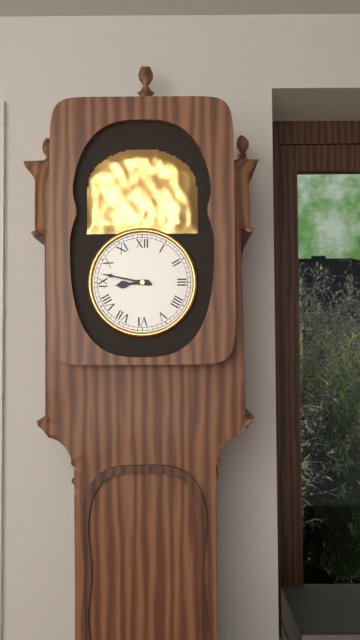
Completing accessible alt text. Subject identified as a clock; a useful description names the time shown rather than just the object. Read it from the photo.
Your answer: 8:47
